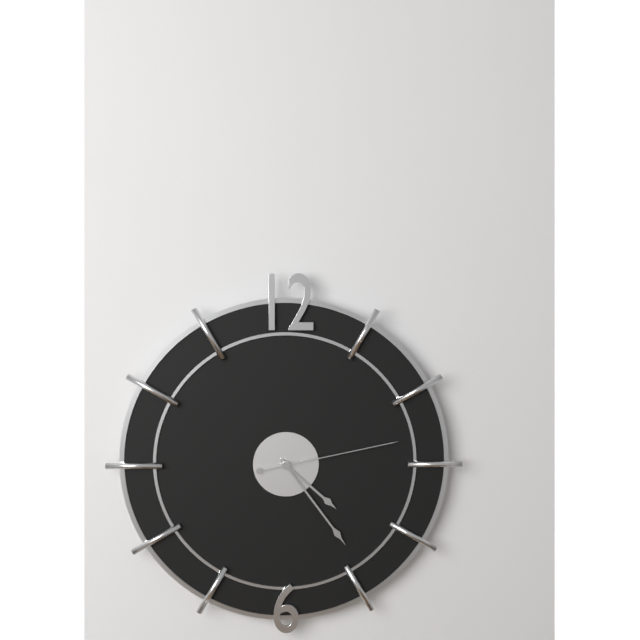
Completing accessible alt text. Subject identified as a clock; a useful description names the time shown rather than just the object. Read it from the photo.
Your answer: 4:24:13
